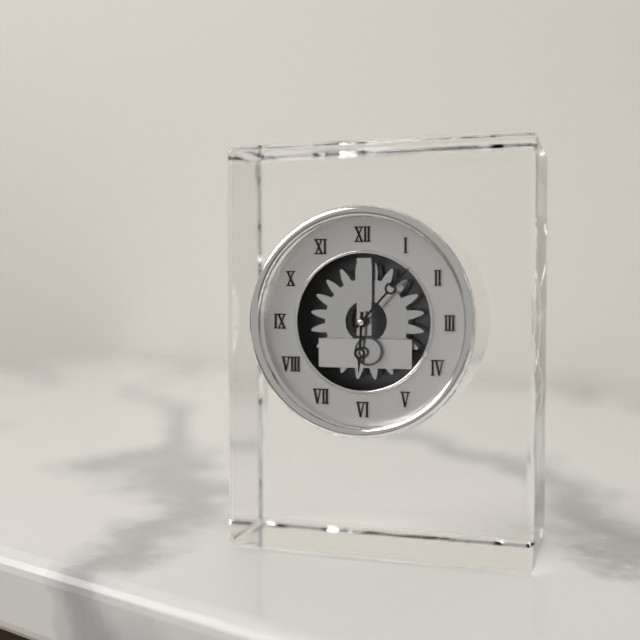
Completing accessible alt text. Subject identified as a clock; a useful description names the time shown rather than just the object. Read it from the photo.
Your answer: 6:07
